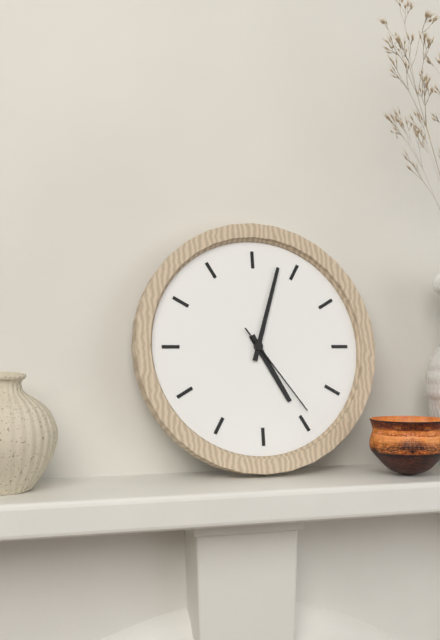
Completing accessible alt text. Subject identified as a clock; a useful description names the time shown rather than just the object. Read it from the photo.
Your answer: 5:03:24
